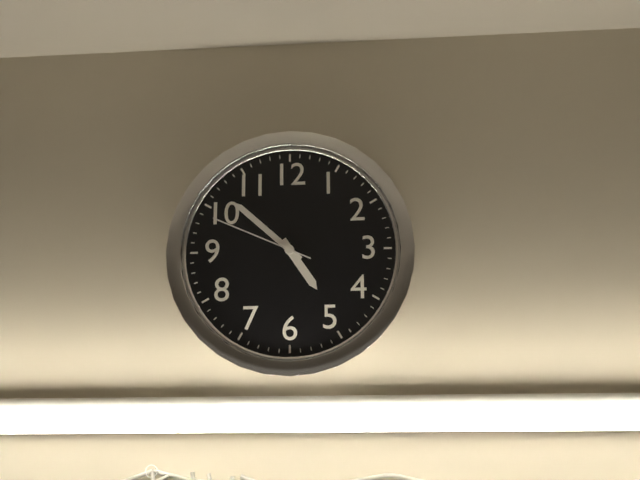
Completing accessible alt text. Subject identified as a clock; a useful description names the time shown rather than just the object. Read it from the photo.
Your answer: 4:52:49
